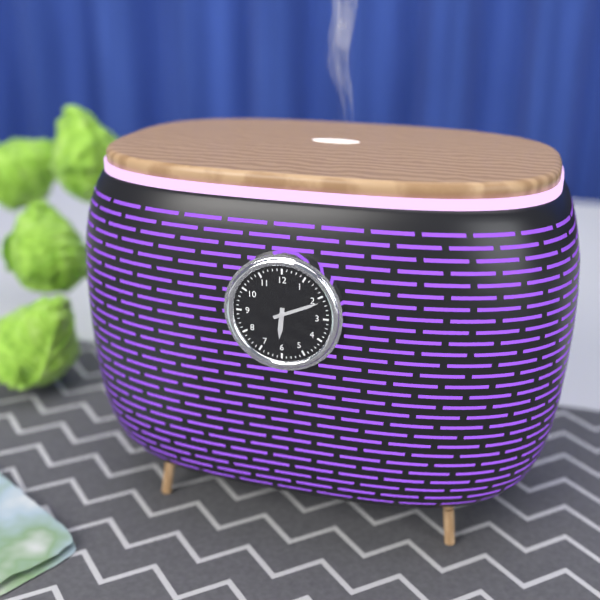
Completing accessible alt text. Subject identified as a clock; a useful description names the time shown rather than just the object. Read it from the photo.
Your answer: 6:11
